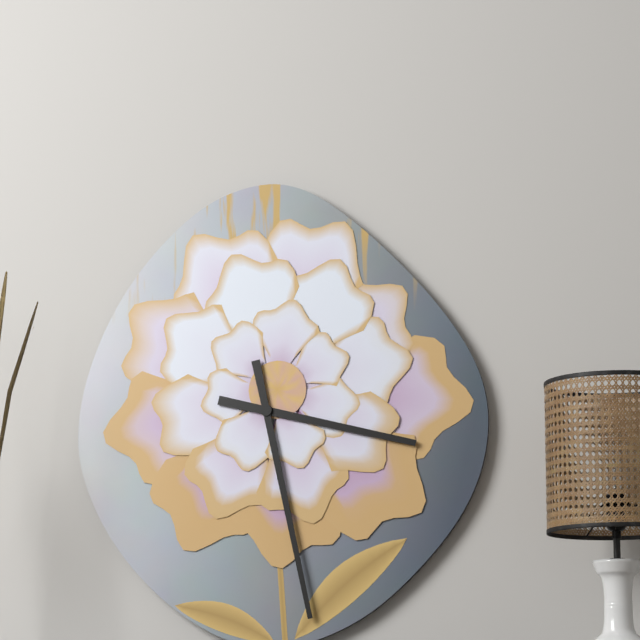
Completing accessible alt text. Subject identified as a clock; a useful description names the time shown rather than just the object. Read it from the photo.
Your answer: 3:28
